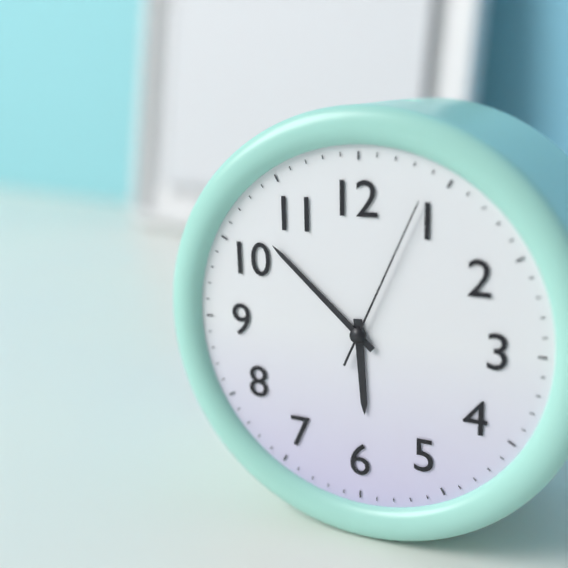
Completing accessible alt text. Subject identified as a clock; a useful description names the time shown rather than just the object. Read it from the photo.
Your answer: 5:52:04
